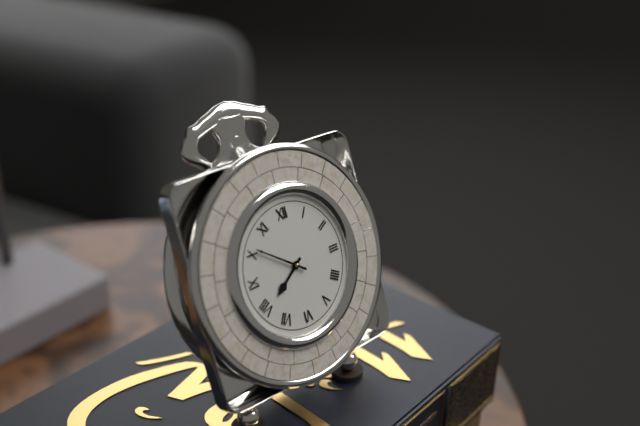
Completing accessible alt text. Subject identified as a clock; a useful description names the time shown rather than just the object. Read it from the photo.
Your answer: 7:51
